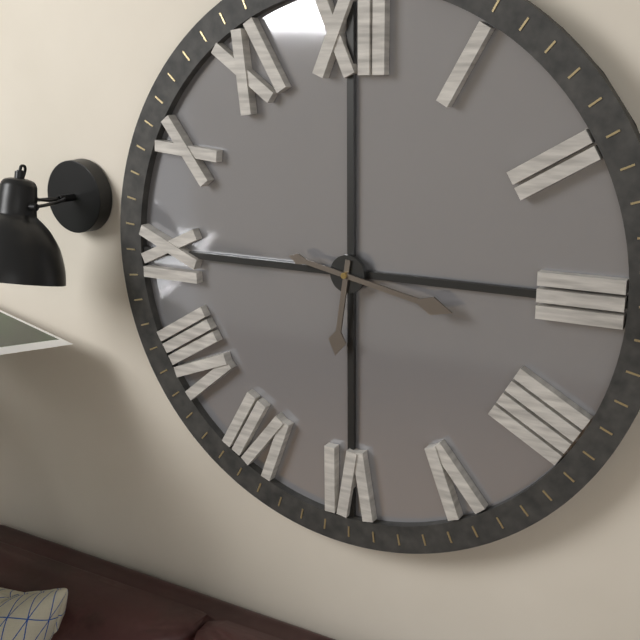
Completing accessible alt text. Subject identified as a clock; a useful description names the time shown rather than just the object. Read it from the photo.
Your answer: 6:17
